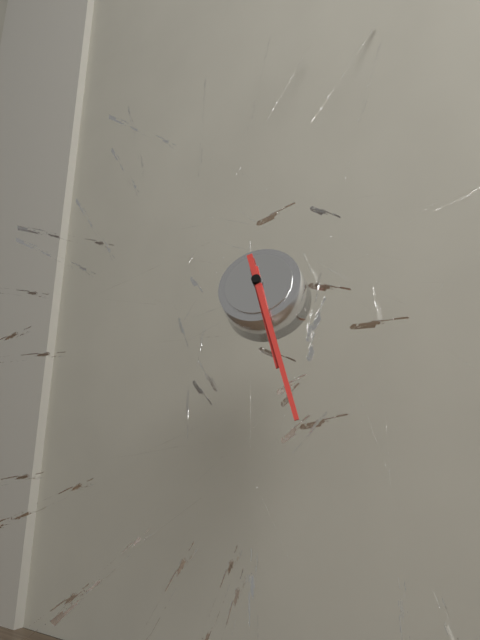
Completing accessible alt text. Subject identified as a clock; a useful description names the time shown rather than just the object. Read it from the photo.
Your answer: 5:27
